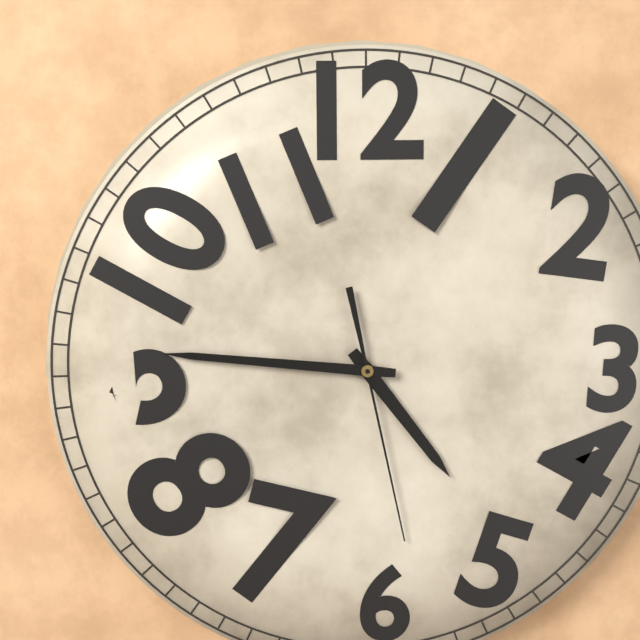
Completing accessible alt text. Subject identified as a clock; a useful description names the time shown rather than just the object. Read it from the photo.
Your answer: 4:46:28
